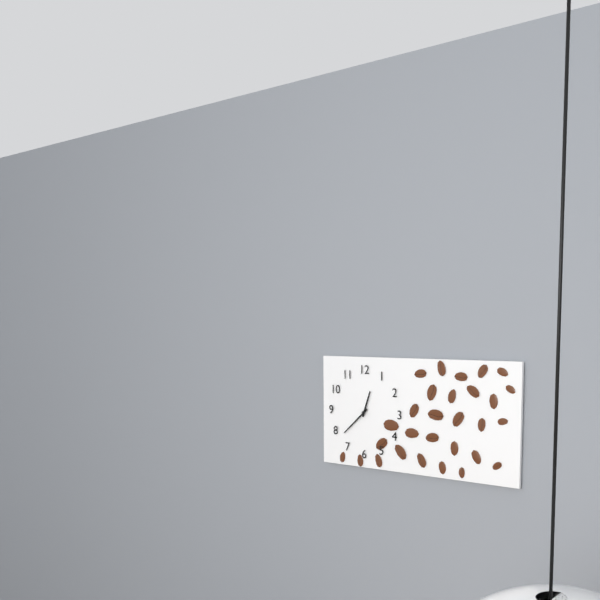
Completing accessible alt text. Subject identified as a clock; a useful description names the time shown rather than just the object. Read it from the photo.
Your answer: 12:38
